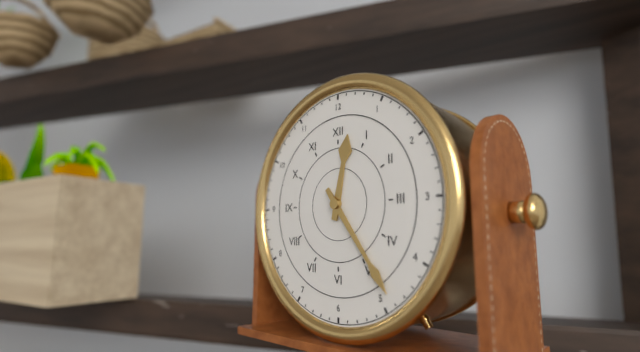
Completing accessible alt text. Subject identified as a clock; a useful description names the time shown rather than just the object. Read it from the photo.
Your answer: 12:24
